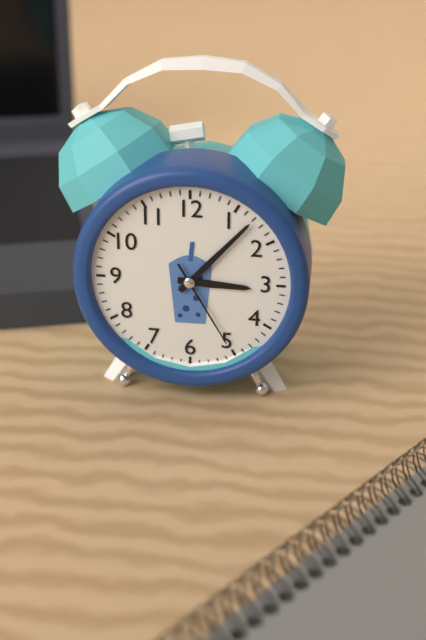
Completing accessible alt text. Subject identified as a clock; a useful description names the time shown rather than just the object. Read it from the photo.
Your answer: 3:07:25
